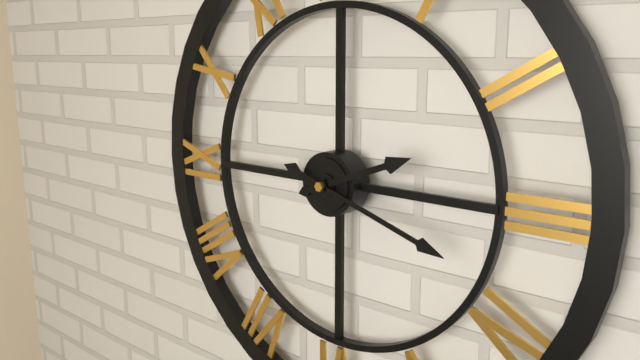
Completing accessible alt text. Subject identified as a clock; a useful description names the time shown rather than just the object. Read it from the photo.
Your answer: 2:18
